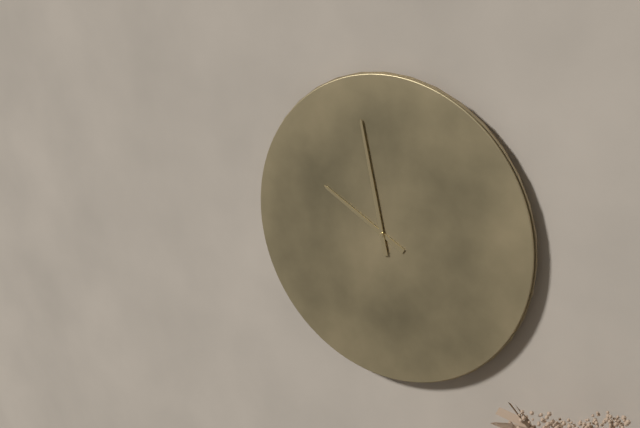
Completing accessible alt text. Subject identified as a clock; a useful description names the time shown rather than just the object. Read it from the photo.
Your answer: 9:58
